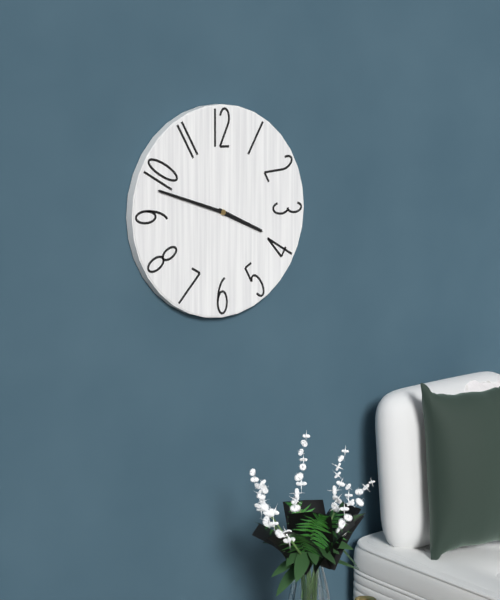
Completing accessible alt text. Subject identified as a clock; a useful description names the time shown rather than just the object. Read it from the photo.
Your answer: 3:48
